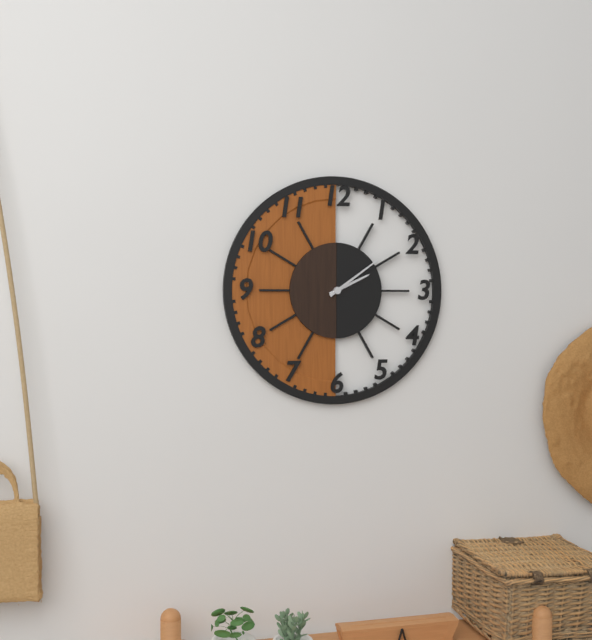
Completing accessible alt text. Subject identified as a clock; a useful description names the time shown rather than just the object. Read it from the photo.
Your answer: 2:09
